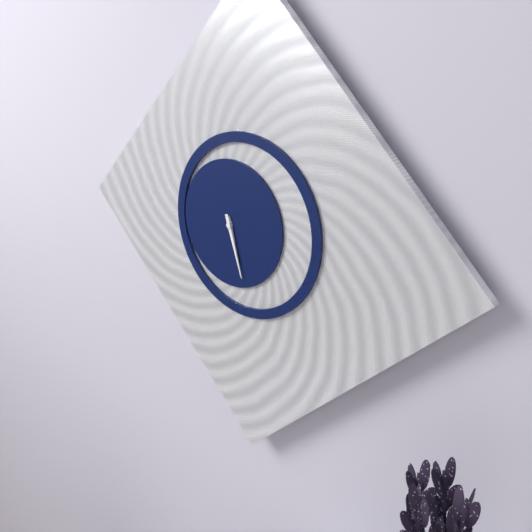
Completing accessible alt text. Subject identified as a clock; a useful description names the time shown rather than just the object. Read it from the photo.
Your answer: 5:27
